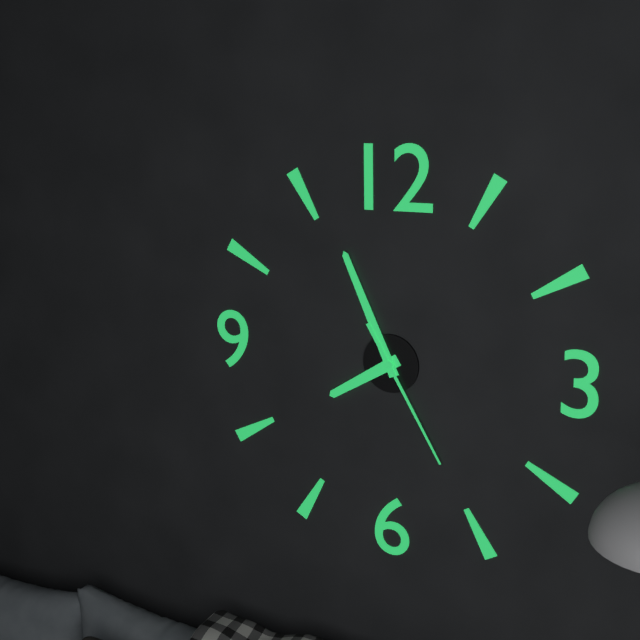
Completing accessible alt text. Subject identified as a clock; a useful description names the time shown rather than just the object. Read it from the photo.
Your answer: 7:56:25
